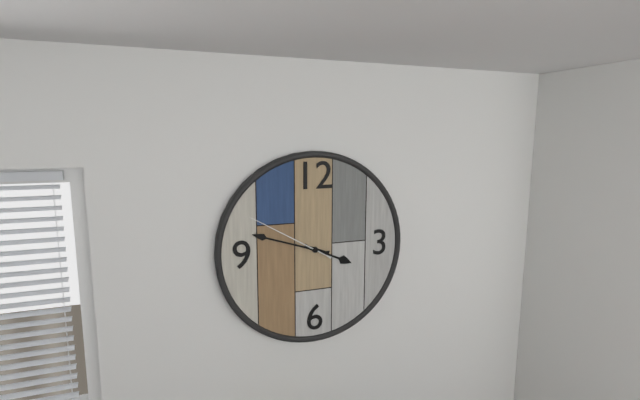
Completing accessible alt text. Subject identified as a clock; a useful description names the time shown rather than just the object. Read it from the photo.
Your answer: 3:48:50
